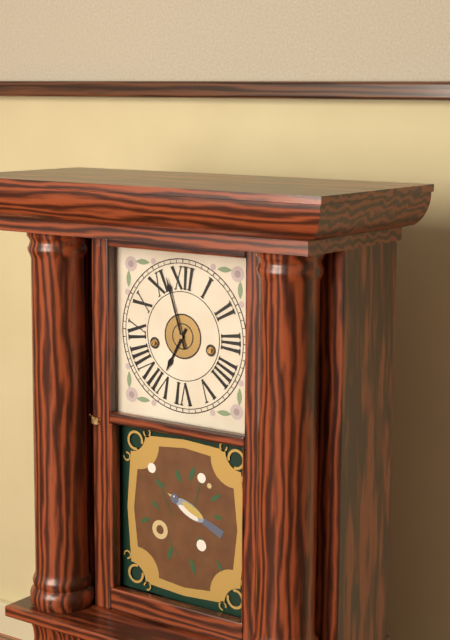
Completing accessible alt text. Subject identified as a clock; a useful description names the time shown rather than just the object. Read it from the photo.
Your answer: 6:57
